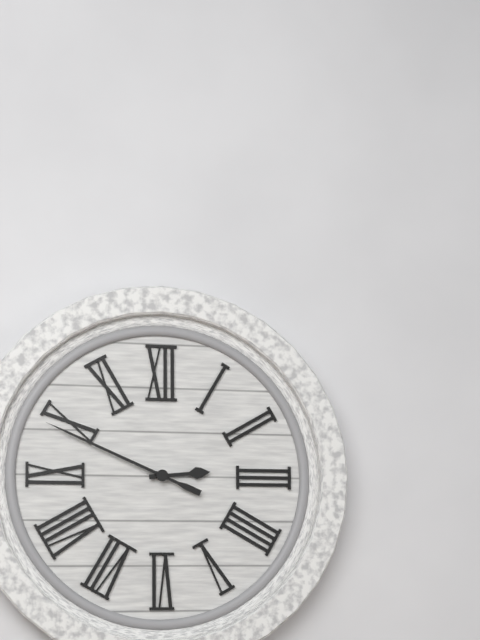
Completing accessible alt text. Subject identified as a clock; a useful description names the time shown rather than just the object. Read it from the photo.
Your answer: 2:49
